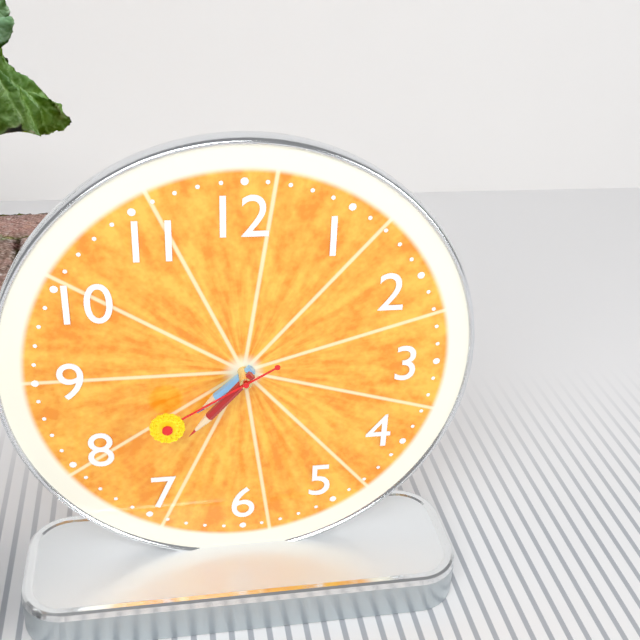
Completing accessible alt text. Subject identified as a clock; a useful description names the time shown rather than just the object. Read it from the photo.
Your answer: 7:37:40
